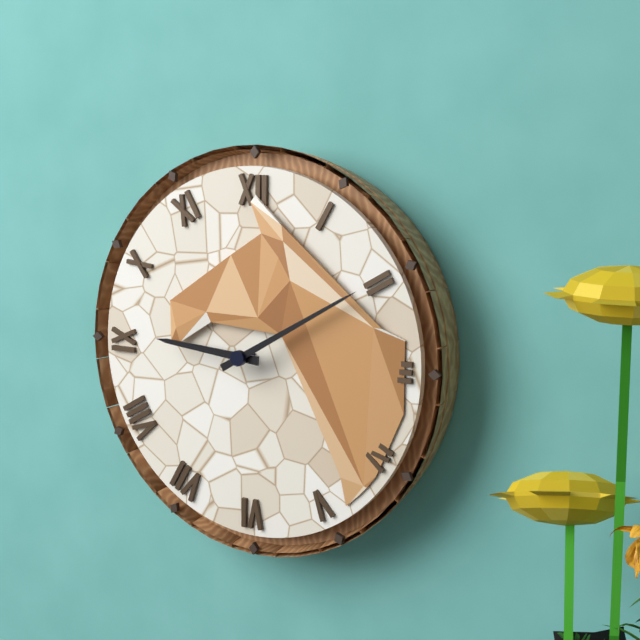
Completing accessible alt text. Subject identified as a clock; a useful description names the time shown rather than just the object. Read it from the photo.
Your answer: 9:10
